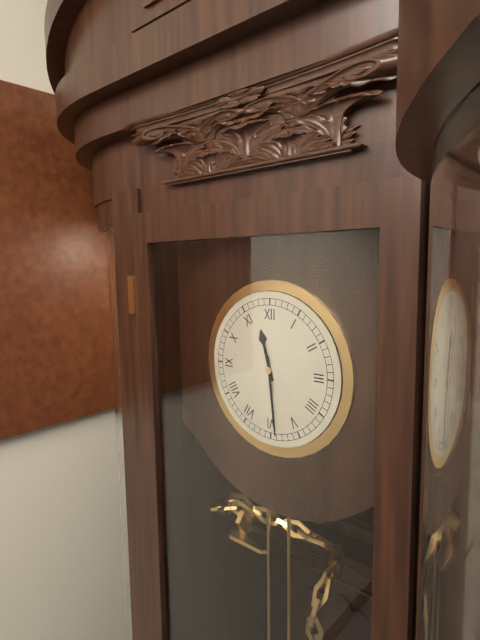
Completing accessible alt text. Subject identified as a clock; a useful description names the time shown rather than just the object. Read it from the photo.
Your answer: 11:29
